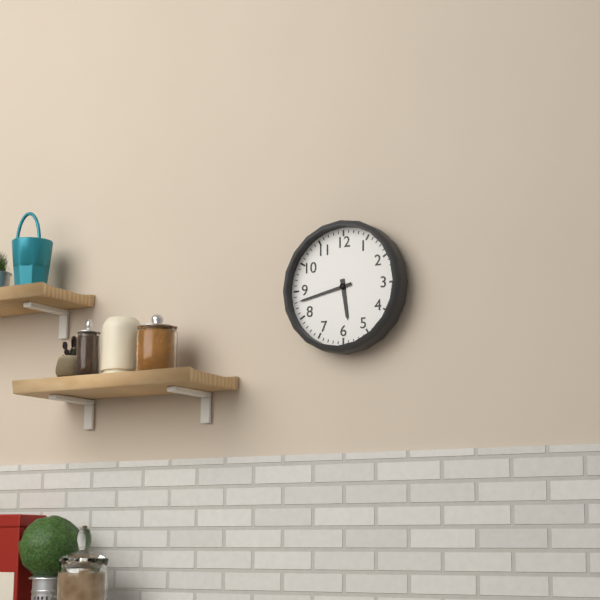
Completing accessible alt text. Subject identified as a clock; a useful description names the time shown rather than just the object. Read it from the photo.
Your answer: 5:43
